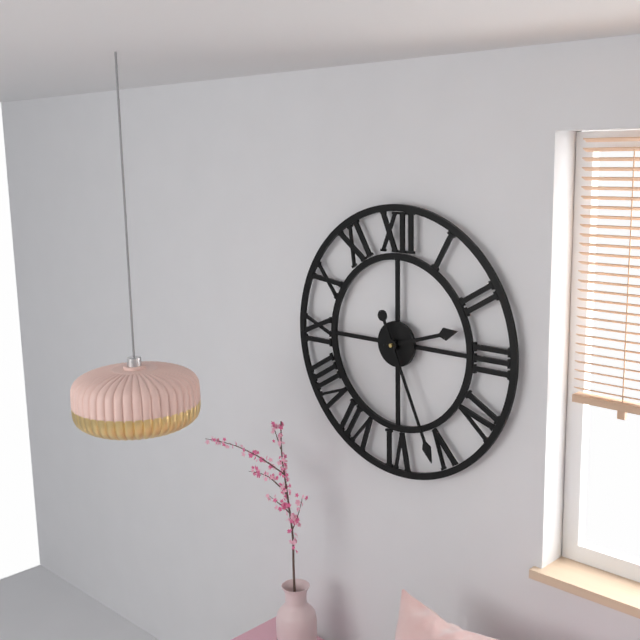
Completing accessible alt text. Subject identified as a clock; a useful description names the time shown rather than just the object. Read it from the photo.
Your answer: 2:26
